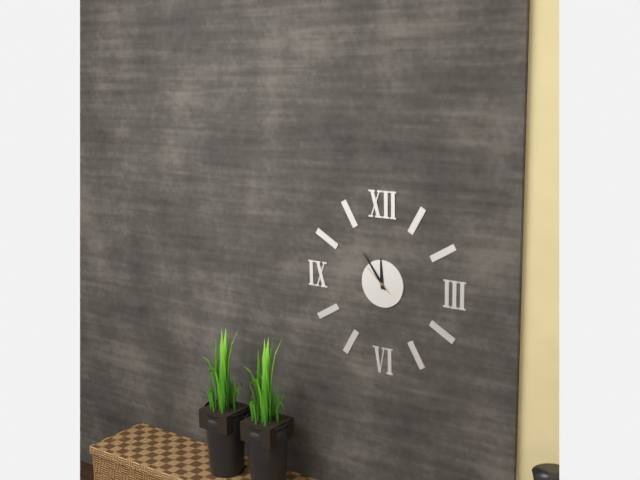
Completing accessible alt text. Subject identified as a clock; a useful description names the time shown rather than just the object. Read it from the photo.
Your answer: 11:54
